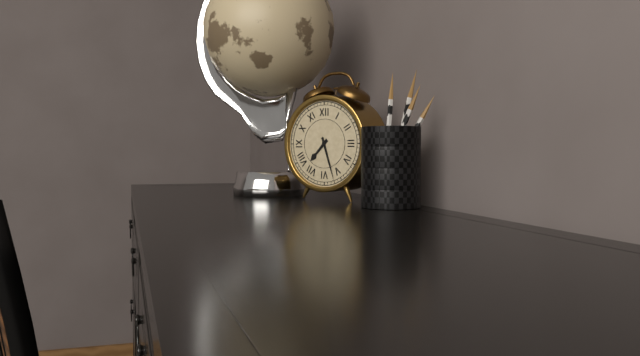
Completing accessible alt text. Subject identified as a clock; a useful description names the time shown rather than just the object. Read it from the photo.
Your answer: 7:27
